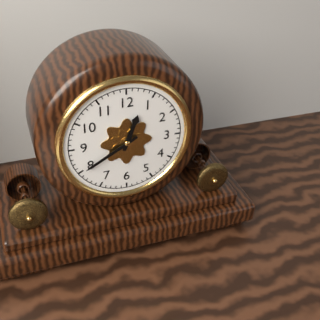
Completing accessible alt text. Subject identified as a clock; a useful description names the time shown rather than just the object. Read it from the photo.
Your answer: 12:40
